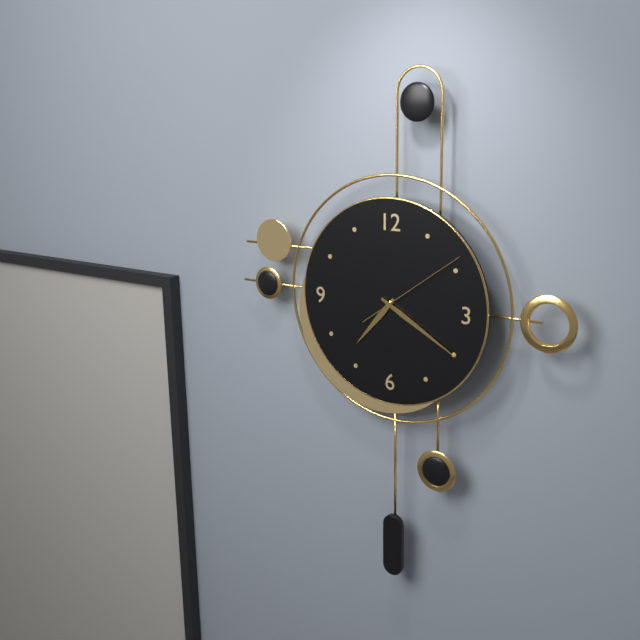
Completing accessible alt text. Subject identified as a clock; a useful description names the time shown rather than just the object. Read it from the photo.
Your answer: 7:20:09
